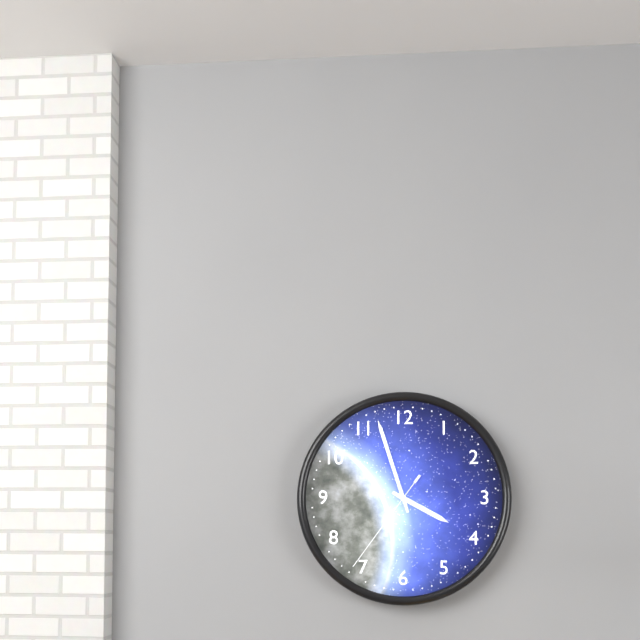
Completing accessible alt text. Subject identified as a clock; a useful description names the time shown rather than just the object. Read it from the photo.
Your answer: 3:57:36
